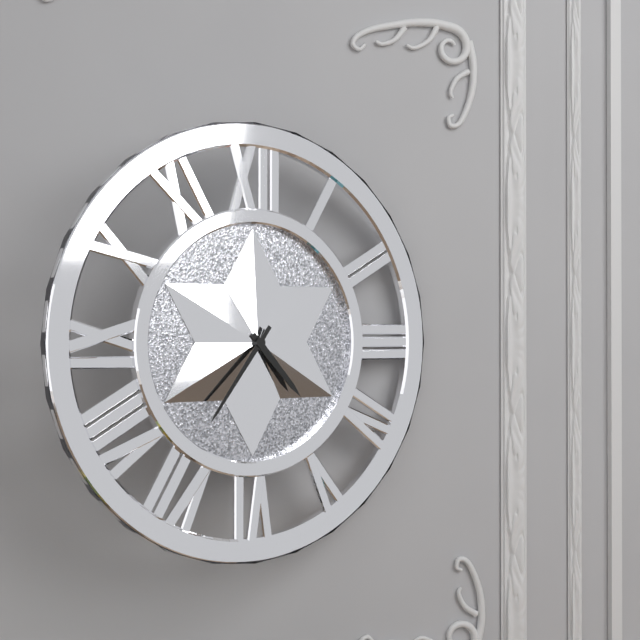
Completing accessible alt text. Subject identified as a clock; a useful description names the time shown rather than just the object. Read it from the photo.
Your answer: 4:36
